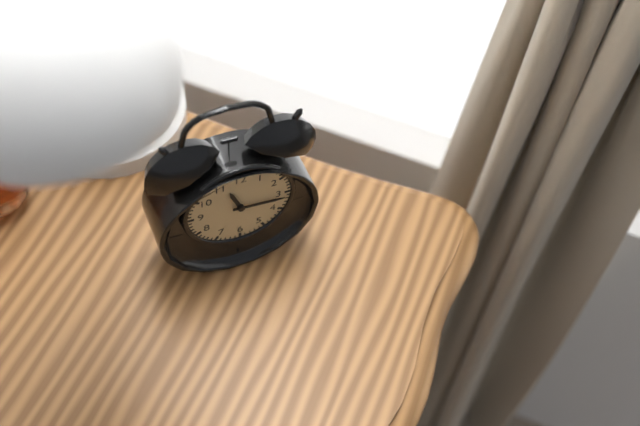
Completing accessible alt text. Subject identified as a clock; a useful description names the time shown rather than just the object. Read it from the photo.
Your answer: 11:16
